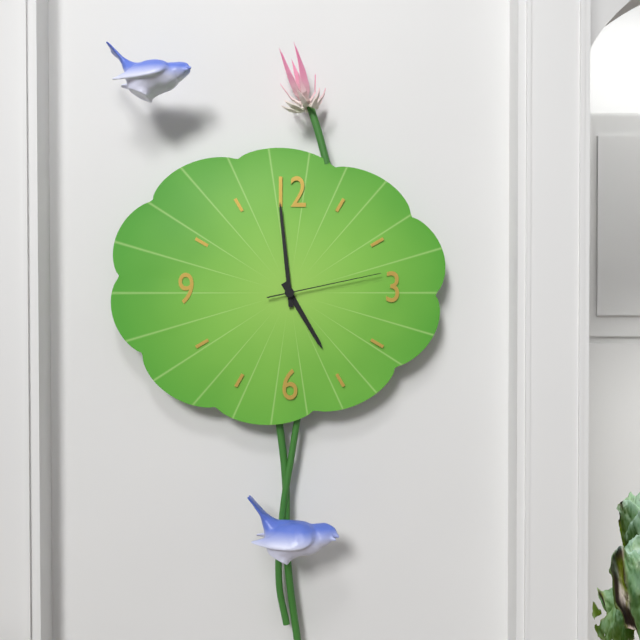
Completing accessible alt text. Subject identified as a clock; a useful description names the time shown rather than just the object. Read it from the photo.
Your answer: 4:59:13
